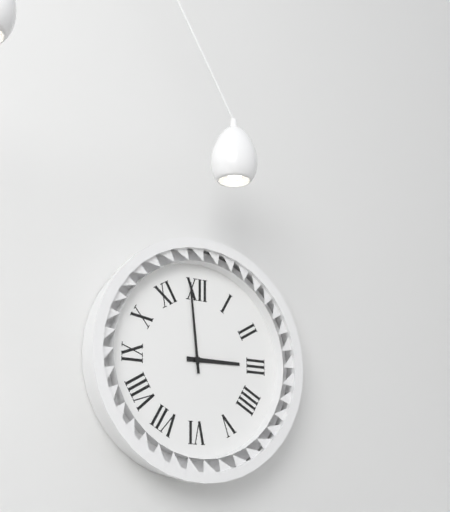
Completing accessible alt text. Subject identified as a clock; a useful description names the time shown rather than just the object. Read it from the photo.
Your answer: 2:59
